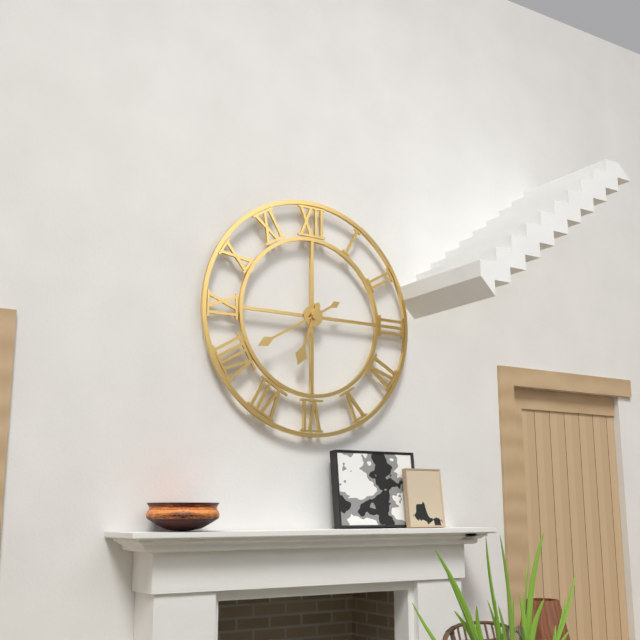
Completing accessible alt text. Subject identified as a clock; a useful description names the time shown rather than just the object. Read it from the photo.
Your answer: 6:40
